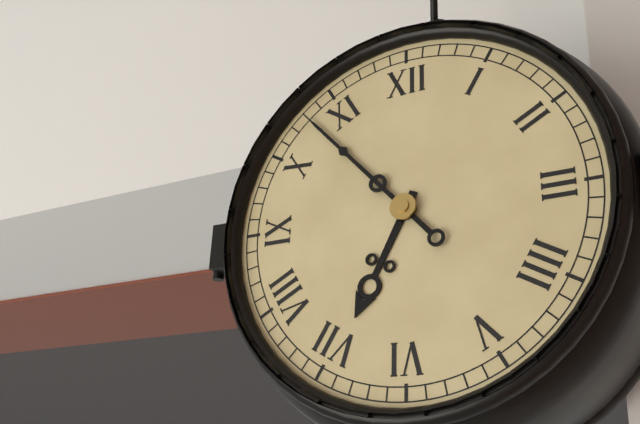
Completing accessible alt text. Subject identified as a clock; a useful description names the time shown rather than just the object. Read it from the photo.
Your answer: 6:53
